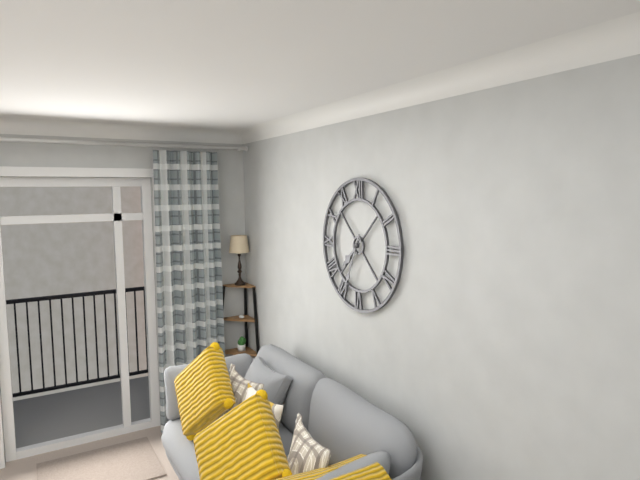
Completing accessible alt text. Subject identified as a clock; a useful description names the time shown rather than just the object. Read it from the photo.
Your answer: 7:34
